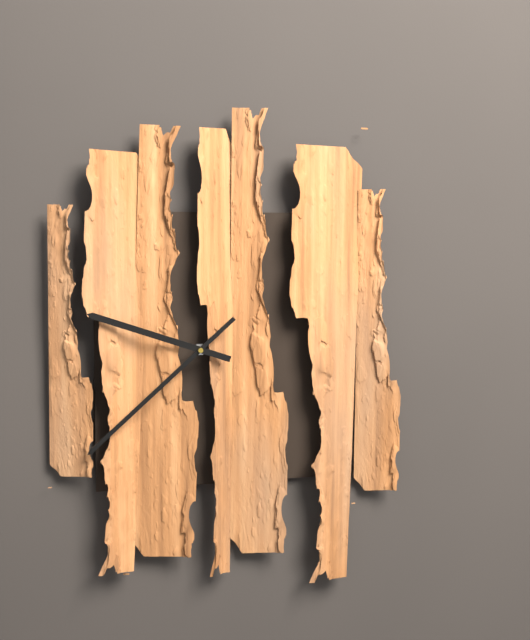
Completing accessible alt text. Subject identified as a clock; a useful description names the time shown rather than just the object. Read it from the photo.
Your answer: 9:38
